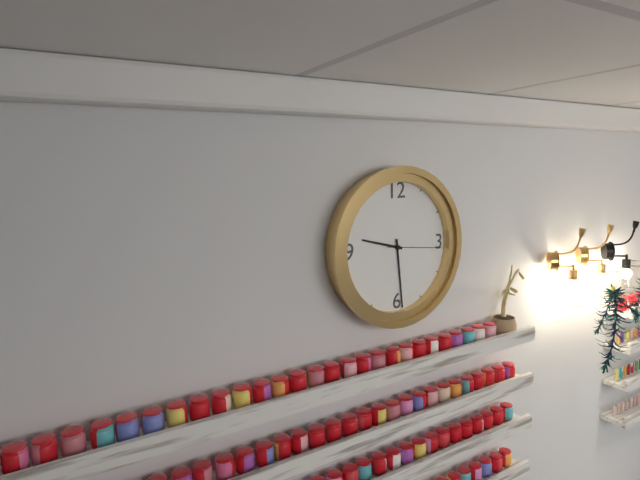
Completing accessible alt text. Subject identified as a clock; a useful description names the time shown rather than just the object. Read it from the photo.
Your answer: 9:29:16
